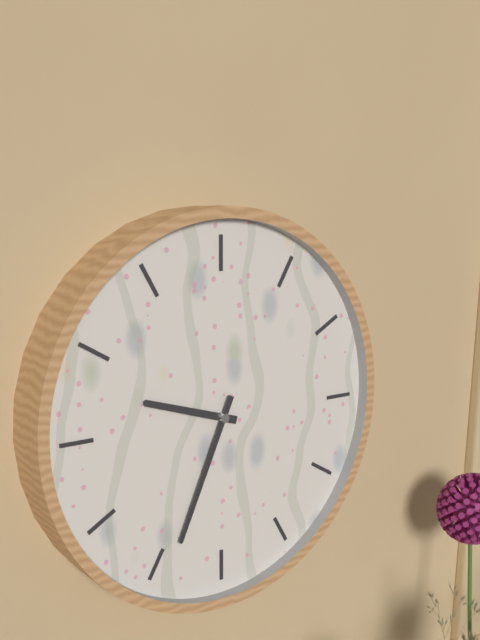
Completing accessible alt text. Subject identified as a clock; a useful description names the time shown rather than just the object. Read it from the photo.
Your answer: 9:34
